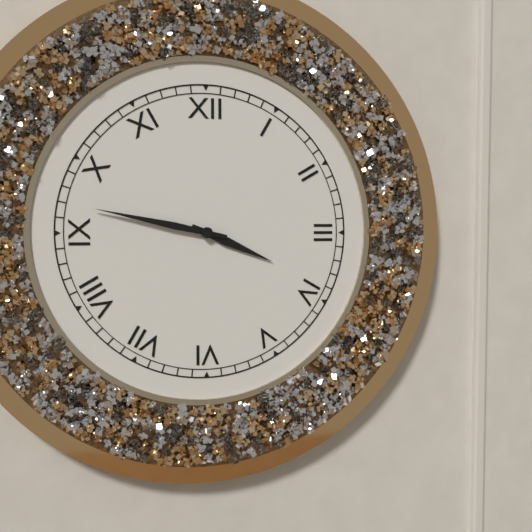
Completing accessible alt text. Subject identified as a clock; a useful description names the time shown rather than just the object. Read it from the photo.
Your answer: 3:47
